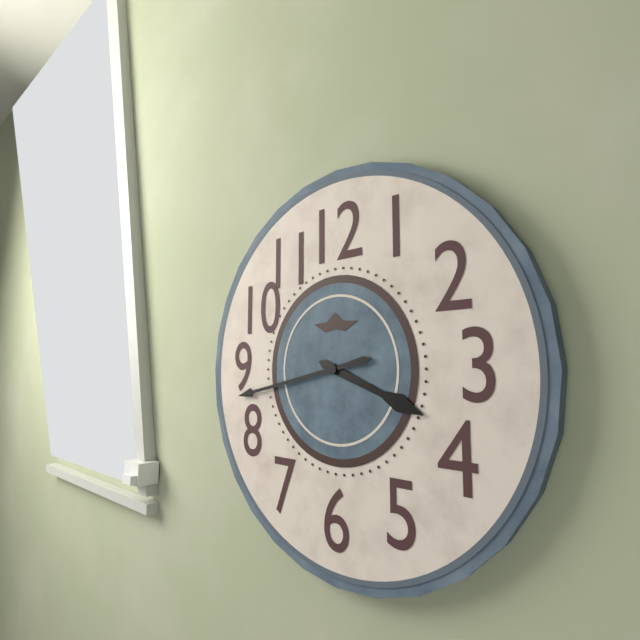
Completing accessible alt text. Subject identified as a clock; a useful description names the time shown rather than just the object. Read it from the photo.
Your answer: 3:43
